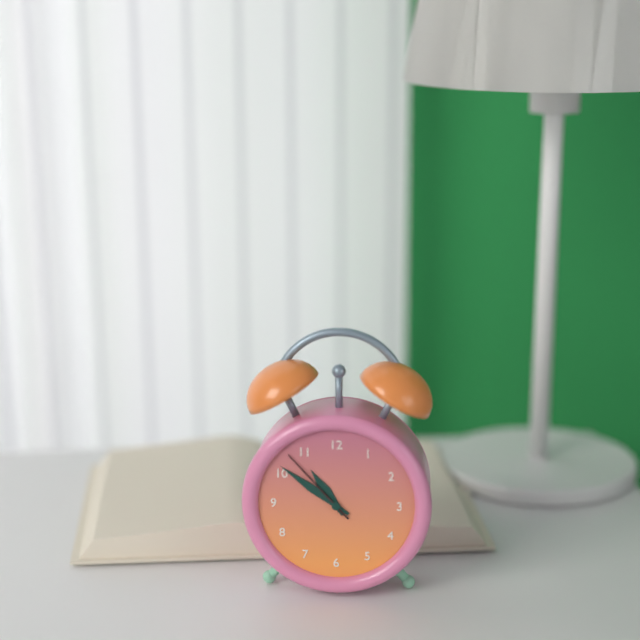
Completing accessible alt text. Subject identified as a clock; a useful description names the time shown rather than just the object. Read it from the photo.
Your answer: 10:51:53
